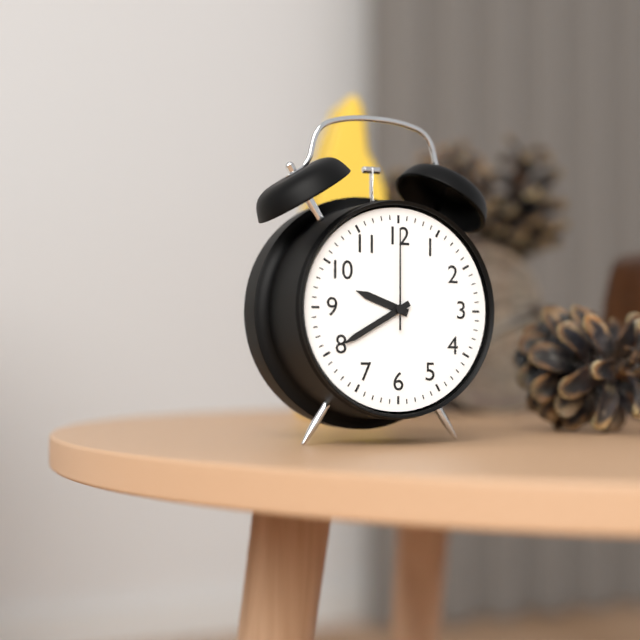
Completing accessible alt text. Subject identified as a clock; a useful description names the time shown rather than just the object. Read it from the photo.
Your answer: 9:40:00
